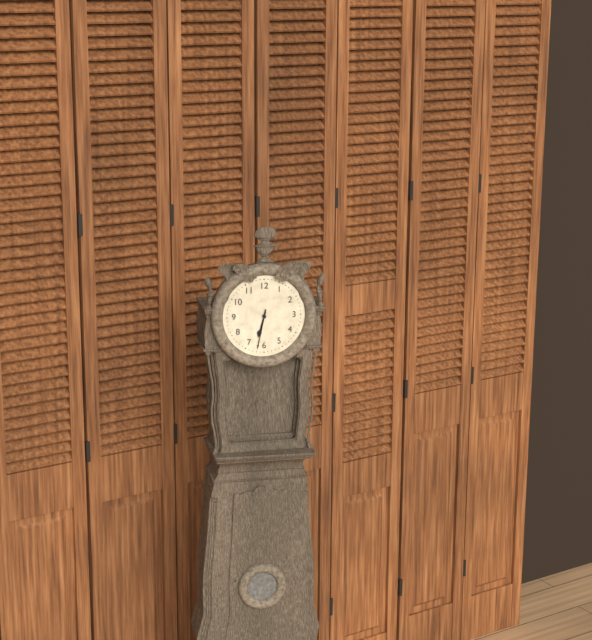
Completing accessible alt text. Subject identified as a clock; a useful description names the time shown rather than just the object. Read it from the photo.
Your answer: 6:32
